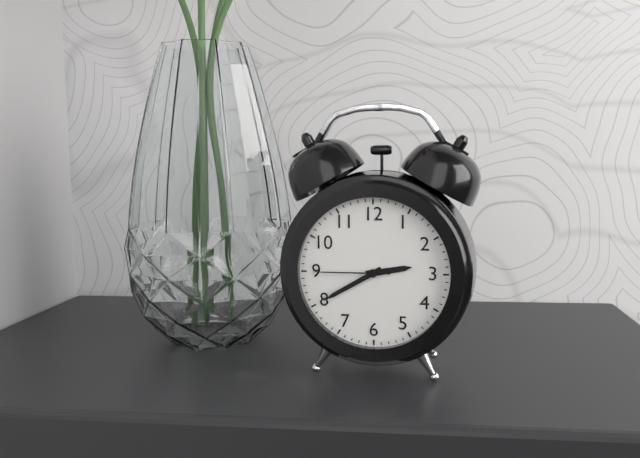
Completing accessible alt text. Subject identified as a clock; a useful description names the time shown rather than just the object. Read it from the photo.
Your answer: 2:40:45
